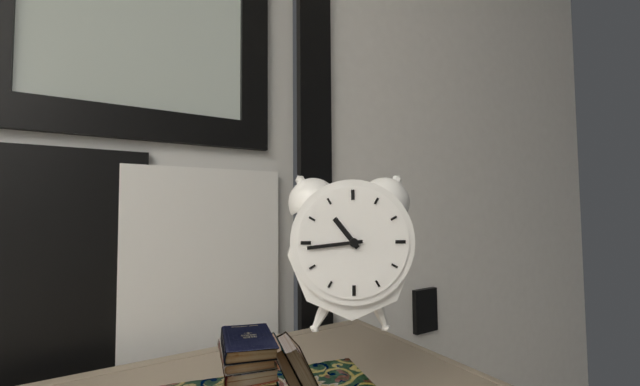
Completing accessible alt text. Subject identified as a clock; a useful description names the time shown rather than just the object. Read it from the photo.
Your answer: 10:44
